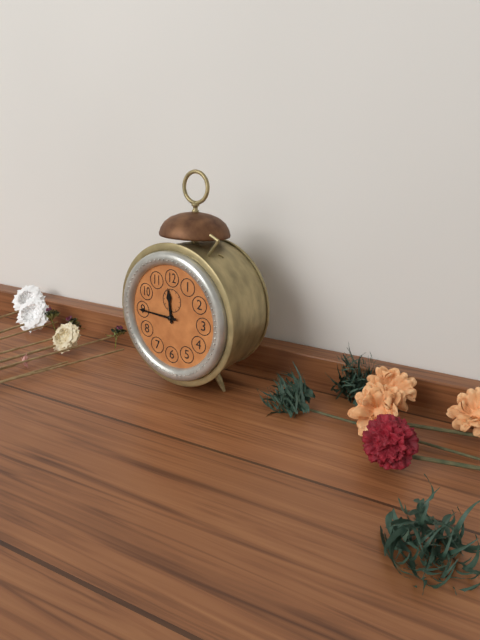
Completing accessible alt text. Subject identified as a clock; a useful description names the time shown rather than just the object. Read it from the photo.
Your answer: 11:45
